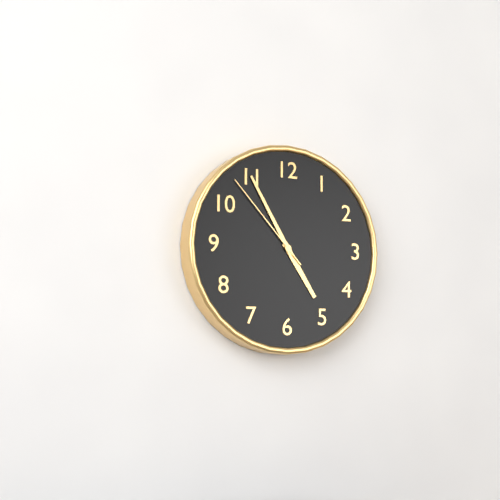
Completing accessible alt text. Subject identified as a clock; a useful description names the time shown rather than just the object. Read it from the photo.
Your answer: 4:55:53
